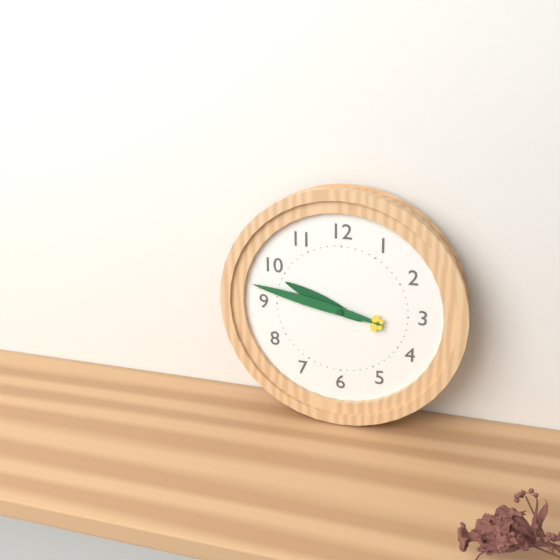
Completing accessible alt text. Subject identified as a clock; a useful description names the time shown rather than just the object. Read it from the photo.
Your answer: 9:47
